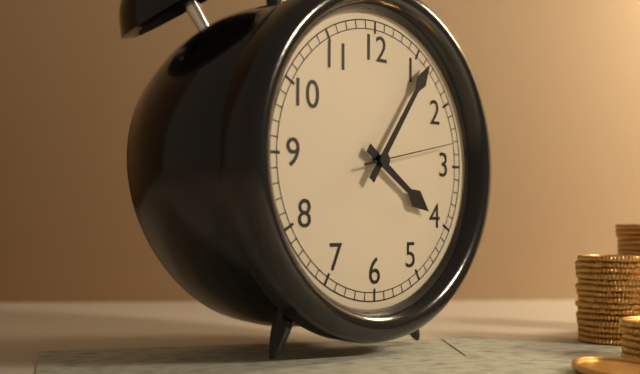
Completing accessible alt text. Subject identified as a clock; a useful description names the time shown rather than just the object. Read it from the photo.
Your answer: 4:06:13
